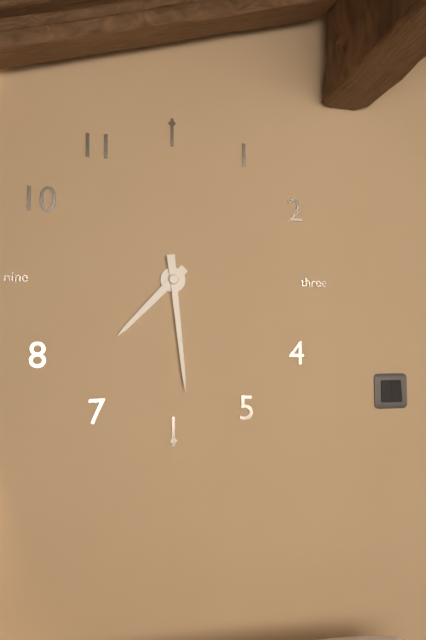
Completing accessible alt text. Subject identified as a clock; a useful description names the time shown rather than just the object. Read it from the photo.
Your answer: 7:29
